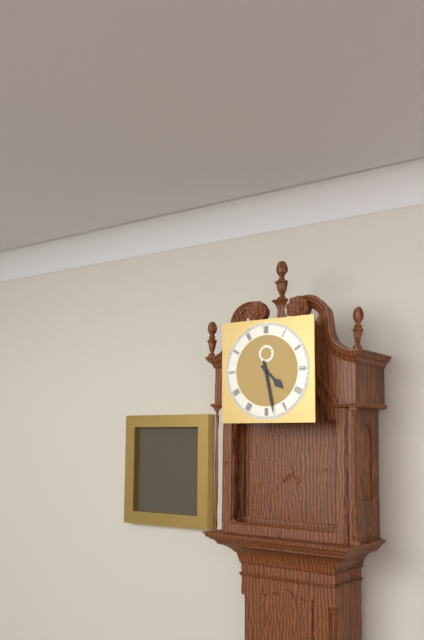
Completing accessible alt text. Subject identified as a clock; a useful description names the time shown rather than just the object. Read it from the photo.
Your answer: 4:28
